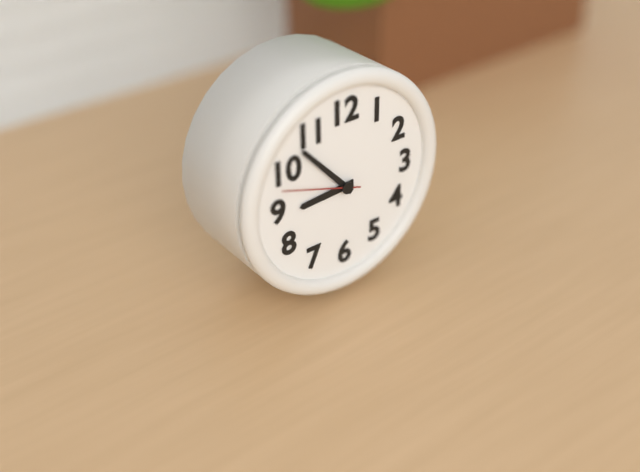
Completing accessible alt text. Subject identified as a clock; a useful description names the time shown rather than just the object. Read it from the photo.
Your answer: 8:53:48
